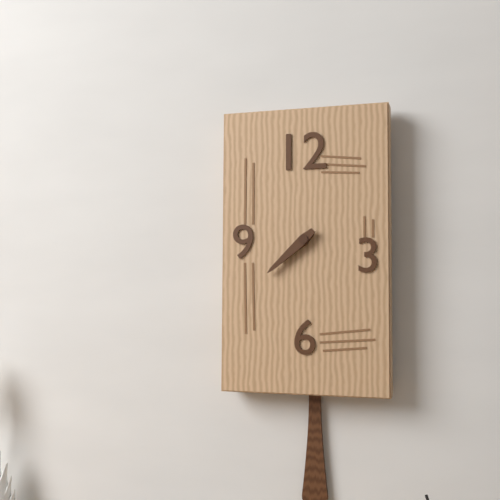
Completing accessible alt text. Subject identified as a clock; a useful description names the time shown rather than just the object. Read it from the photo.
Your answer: 7:38
